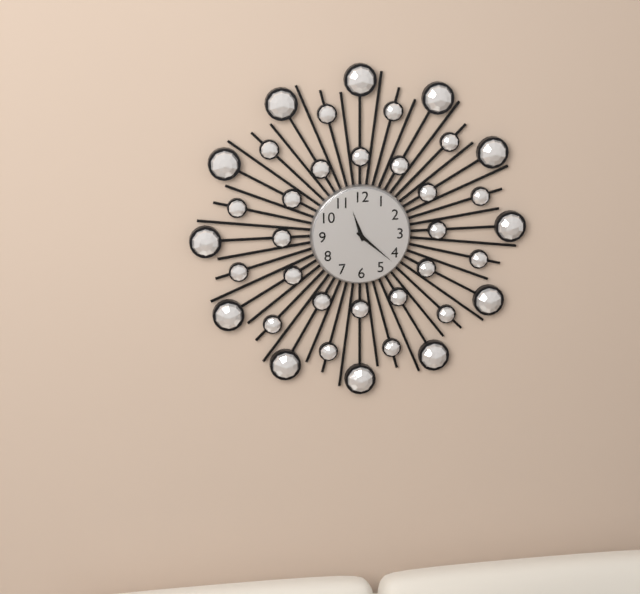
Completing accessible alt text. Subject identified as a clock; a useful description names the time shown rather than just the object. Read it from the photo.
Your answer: 11:22
